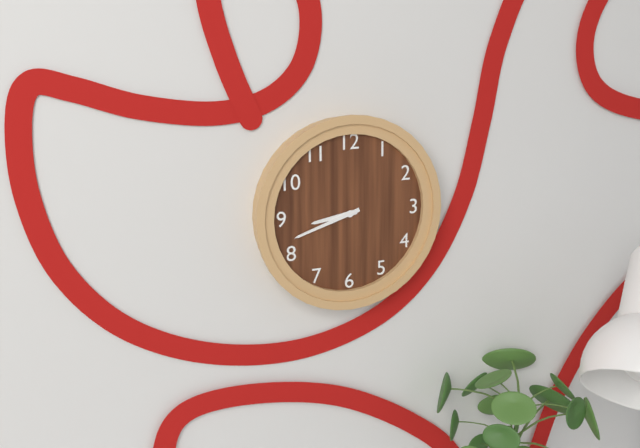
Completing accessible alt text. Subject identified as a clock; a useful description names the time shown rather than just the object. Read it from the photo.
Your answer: 8:42
